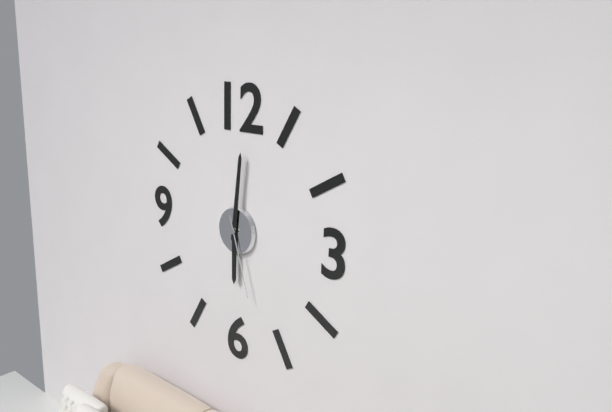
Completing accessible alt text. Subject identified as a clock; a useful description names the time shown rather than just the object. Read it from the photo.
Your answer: 6:01:27
